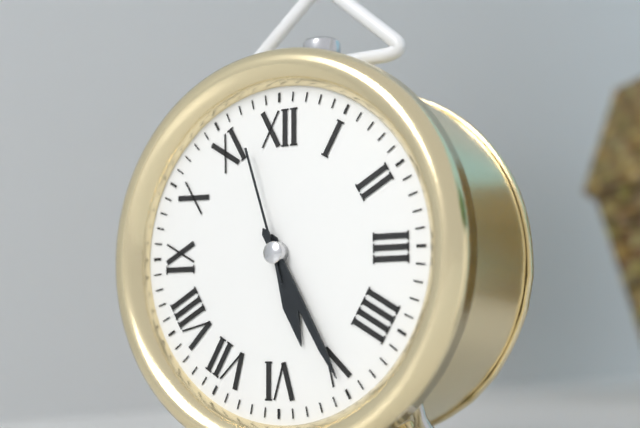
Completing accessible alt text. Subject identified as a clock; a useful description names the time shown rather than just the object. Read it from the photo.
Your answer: 5:25:57
